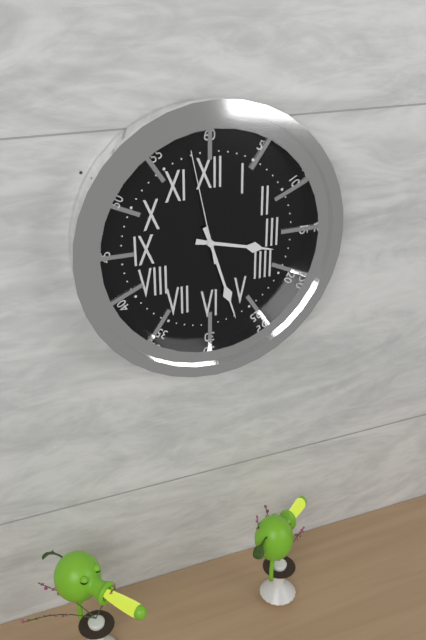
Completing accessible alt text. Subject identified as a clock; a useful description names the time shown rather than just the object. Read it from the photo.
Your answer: 3:27:58
